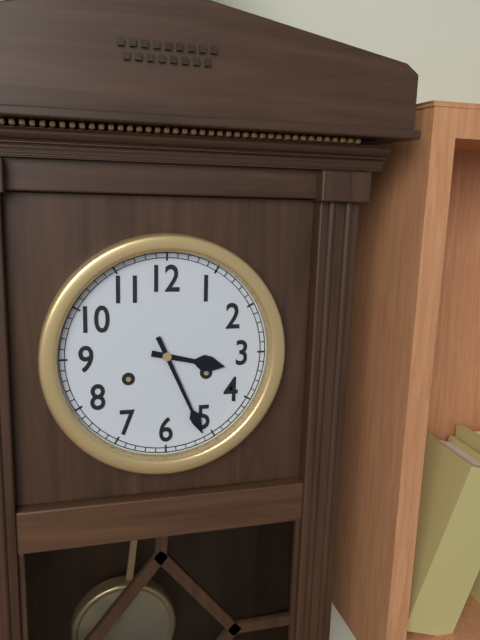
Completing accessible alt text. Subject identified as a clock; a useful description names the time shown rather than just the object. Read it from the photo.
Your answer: 3:26
